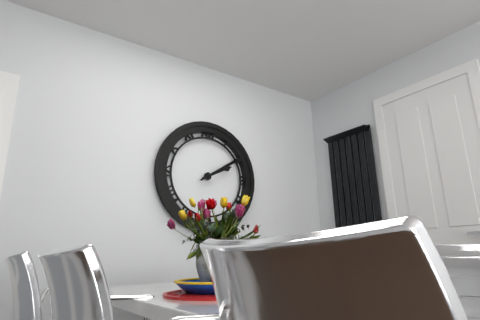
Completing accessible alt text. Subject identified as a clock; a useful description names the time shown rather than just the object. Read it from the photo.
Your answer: 2:10
